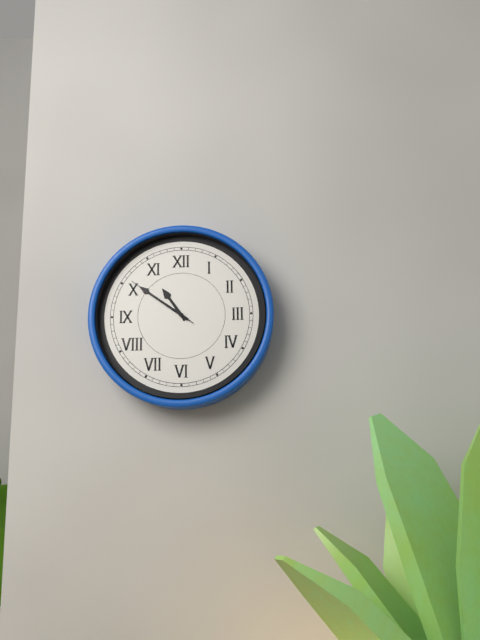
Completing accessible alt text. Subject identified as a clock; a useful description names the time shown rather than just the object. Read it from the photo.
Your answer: 10:51:51
